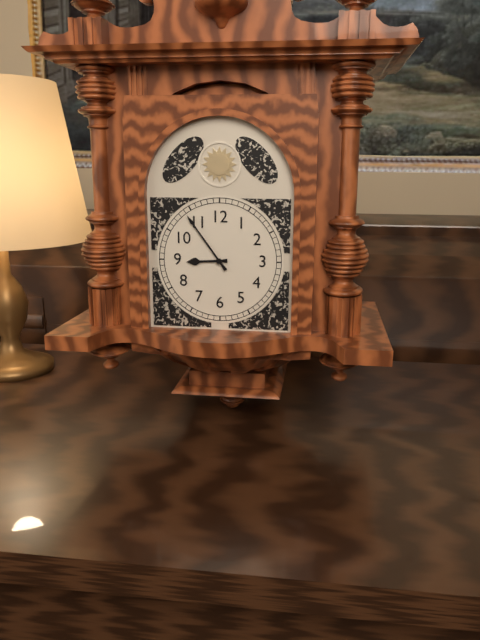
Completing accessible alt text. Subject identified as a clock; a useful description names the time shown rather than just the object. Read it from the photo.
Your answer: 8:54
